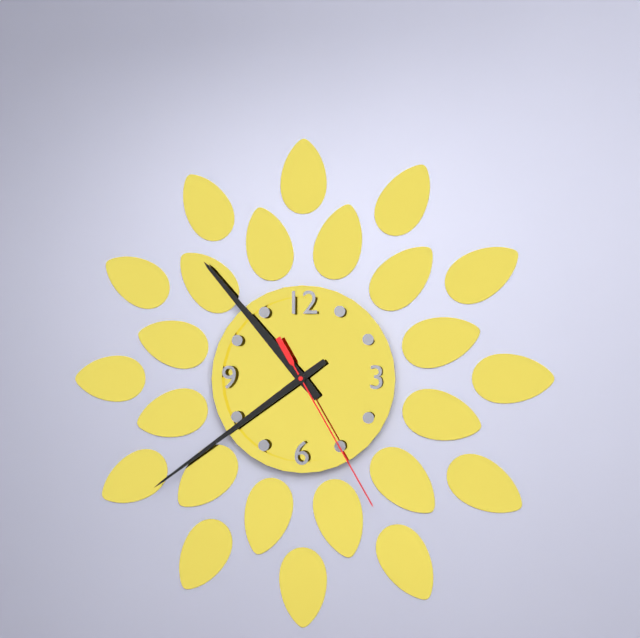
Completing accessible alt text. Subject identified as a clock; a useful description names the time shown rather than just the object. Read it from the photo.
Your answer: 10:39:25
